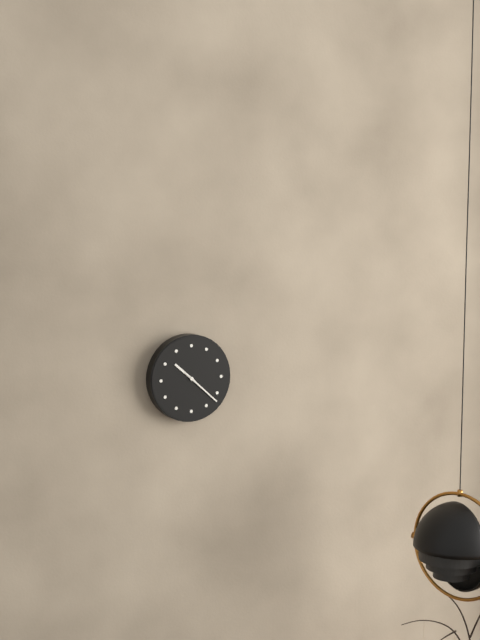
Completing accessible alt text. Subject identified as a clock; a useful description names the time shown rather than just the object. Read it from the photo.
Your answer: 10:22
